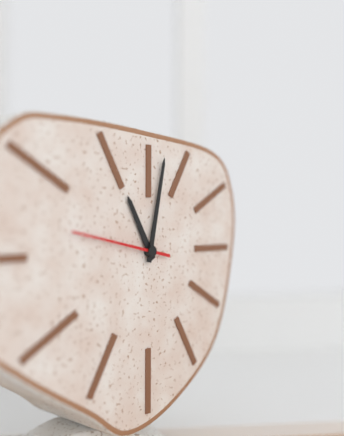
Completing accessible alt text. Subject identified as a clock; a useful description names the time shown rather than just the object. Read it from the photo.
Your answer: 11:02:47
